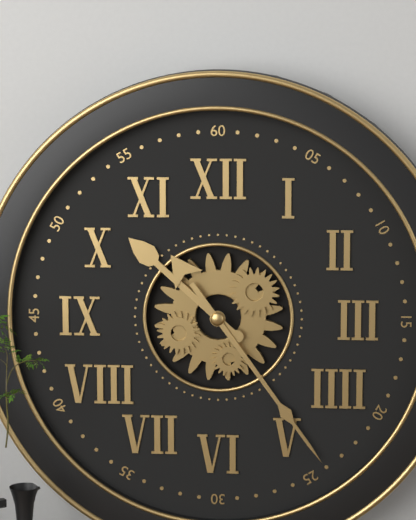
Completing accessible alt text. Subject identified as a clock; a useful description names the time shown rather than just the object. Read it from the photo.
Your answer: 10:24
